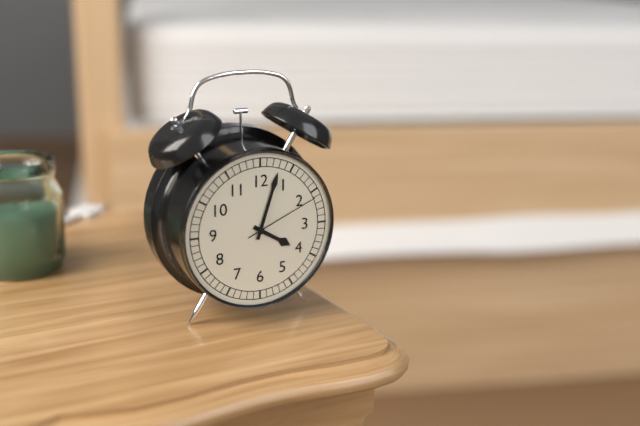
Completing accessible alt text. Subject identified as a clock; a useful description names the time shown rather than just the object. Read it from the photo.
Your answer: 4:03:11
